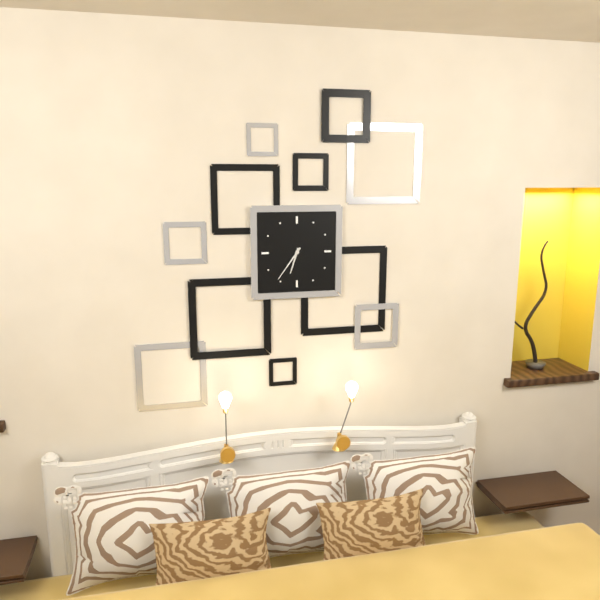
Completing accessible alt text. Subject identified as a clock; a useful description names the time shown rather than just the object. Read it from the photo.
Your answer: 6:36
